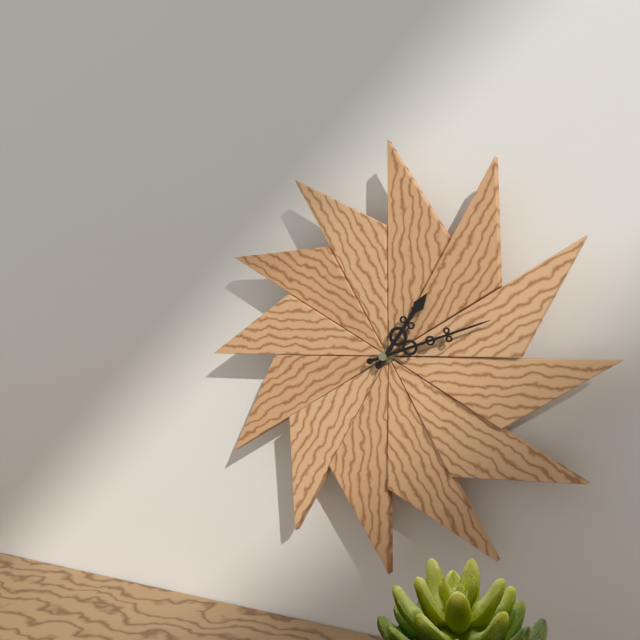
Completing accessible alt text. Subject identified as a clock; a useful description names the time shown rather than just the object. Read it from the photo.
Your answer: 1:12
